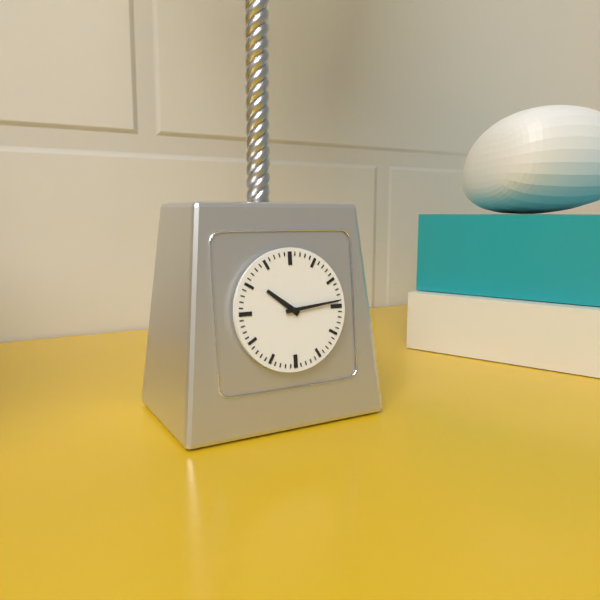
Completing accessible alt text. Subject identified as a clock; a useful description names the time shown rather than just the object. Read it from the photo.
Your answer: 10:14
